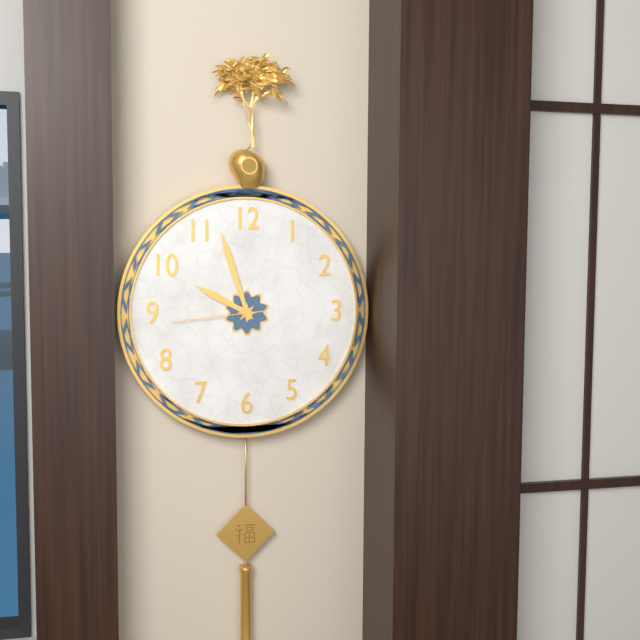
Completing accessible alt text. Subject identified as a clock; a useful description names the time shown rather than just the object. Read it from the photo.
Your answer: 9:57:44
